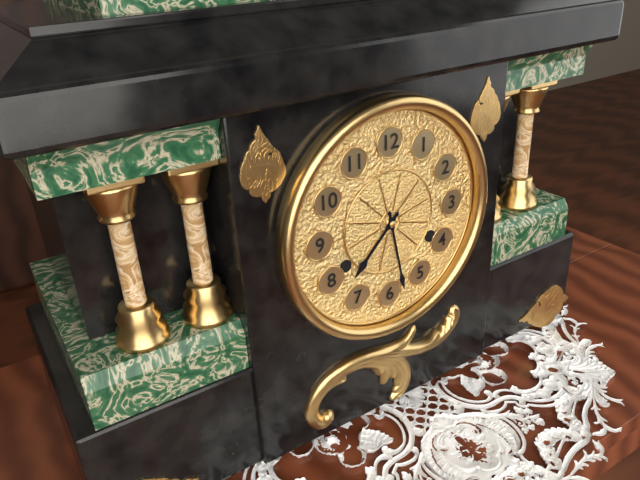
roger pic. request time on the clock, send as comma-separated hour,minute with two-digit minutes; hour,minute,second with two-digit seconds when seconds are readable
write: 7,28
